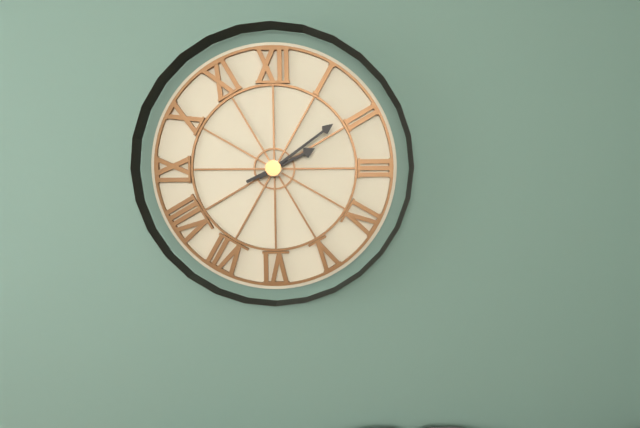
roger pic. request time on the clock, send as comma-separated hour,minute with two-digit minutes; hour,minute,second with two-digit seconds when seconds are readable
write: 2,09
